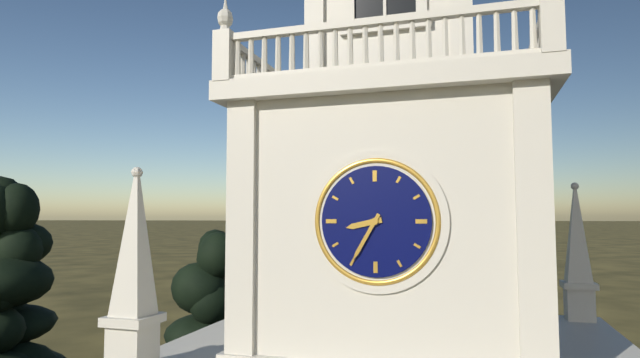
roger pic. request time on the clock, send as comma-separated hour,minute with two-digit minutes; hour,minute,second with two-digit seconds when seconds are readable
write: 8,35
